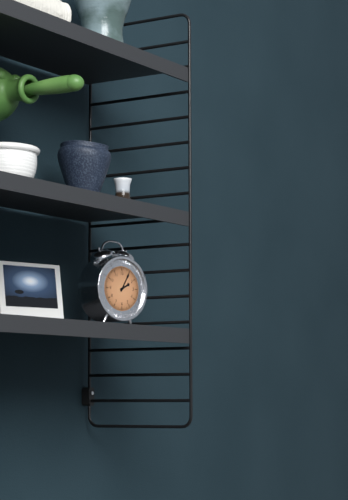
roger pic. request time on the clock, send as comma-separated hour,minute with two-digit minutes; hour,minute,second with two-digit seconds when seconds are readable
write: 2,05
